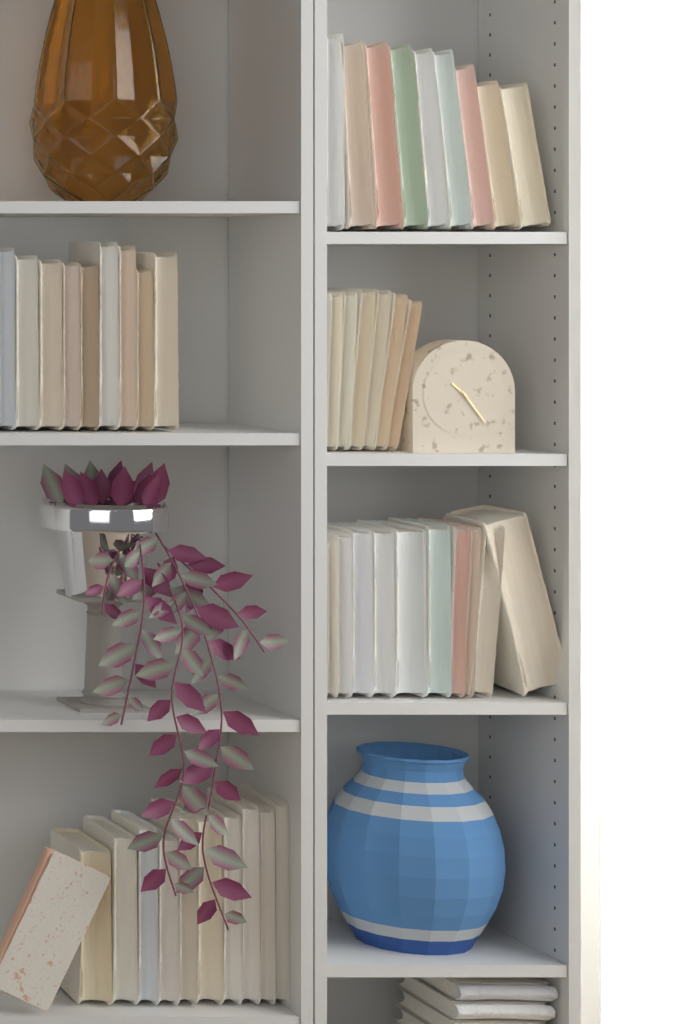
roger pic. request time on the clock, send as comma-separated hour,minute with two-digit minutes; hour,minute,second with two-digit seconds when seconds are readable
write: 10,24
